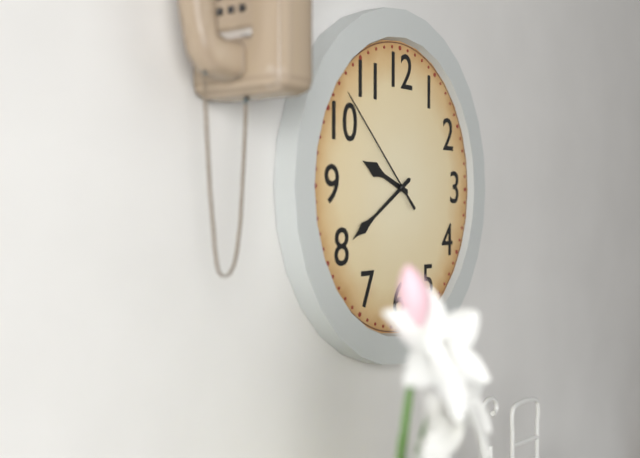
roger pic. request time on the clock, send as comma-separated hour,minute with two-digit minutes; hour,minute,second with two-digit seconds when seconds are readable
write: 9,40,52
